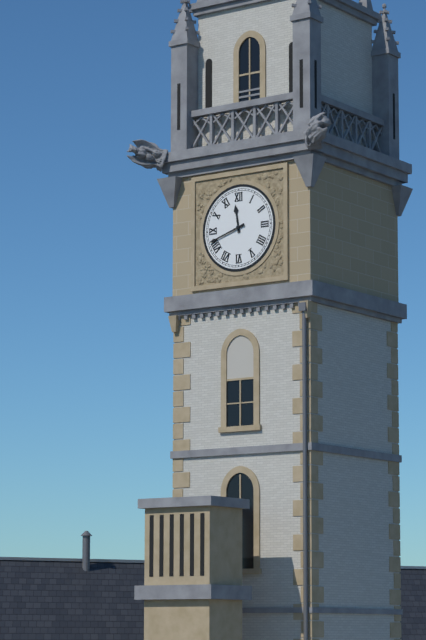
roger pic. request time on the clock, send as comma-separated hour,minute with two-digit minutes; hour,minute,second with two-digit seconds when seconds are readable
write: 11,42
